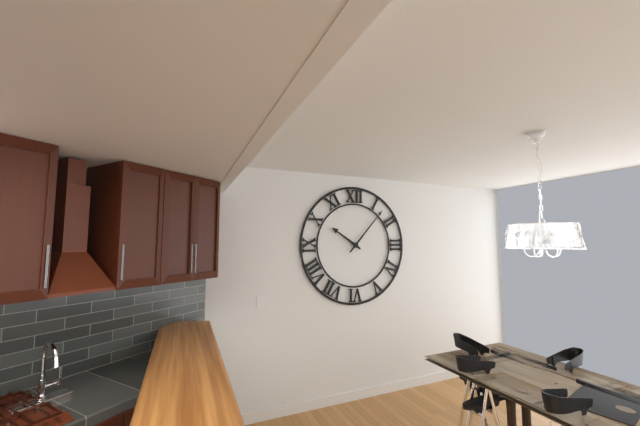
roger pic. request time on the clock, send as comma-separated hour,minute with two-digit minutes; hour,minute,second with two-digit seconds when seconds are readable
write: 10,07
